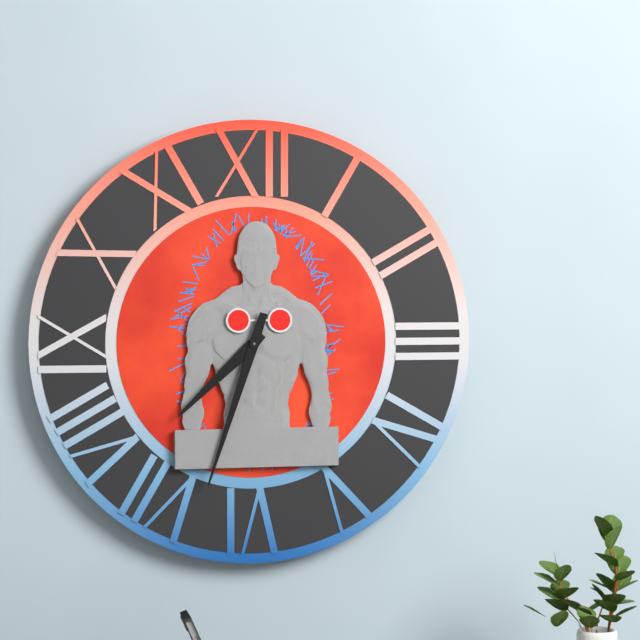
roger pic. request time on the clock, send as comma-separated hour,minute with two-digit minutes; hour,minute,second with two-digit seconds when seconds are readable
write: 7,33
